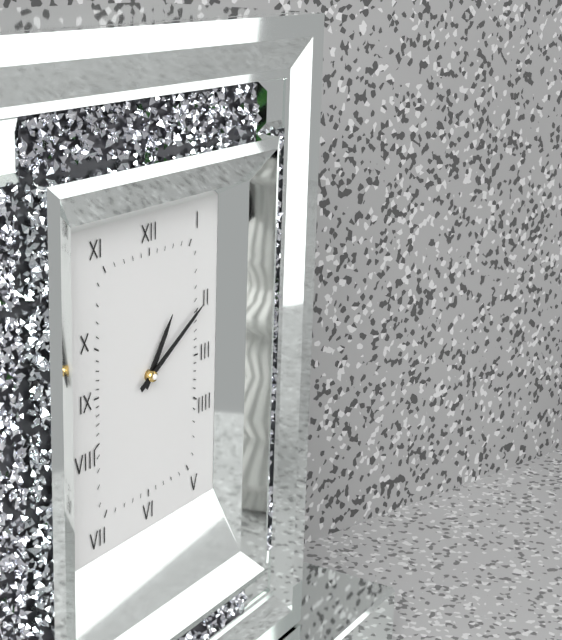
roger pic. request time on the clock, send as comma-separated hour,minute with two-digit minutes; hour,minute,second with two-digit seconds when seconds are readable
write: 1,10
